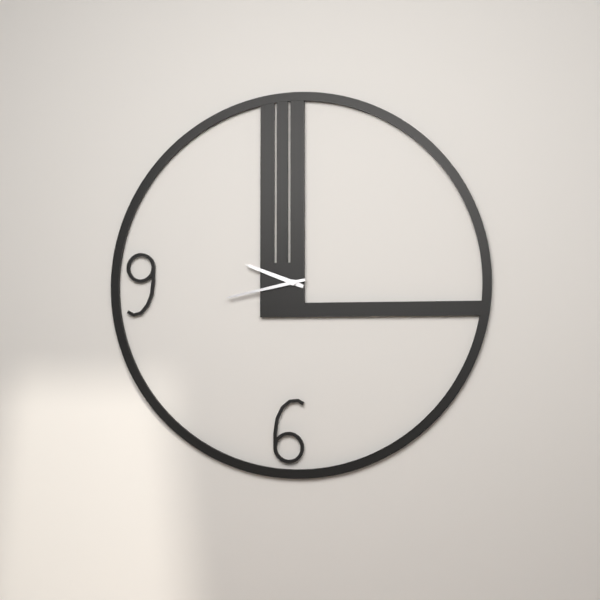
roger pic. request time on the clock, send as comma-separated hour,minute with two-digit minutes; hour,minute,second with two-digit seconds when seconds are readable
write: 9,43
